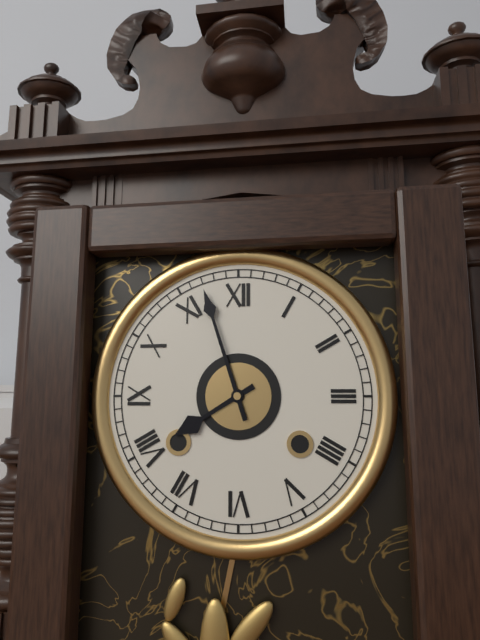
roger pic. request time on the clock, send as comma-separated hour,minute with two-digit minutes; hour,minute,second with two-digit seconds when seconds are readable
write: 7,57
